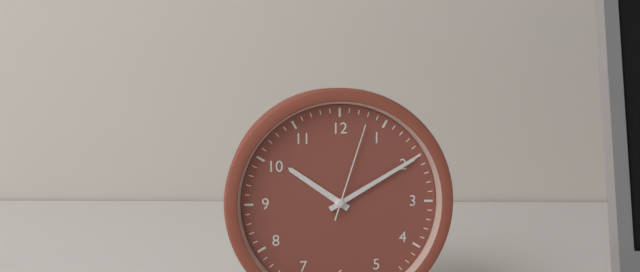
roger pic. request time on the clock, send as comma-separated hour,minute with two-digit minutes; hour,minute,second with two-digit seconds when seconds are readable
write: 10,10,03
